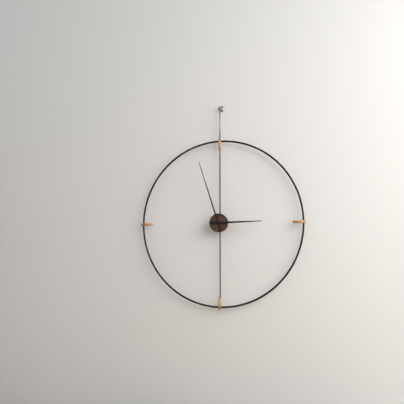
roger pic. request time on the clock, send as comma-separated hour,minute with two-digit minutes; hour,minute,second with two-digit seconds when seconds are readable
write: 2,57
